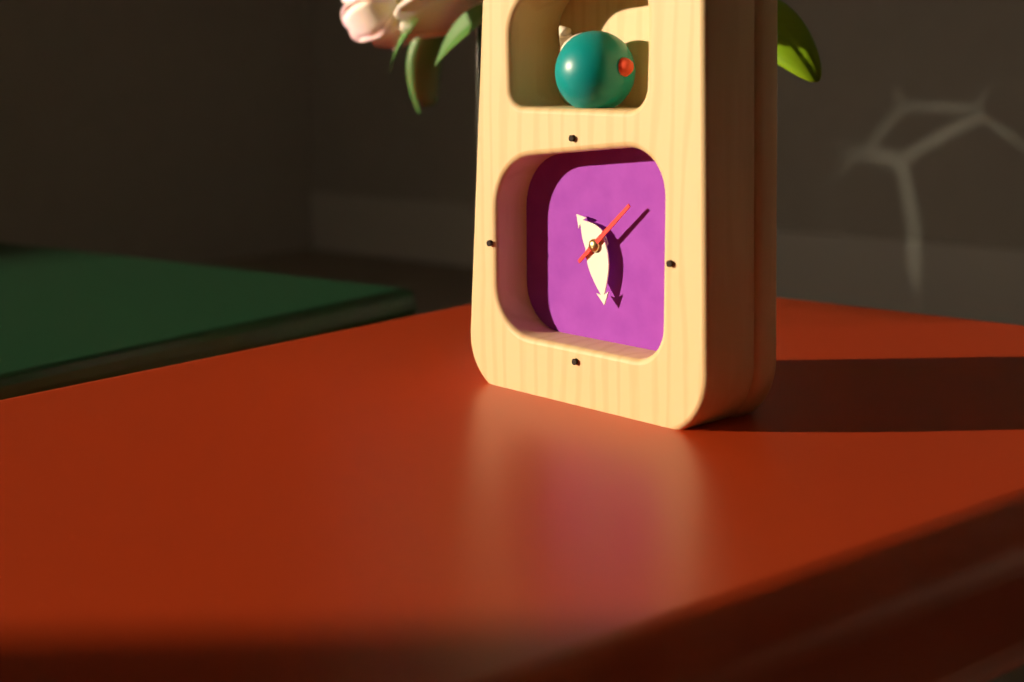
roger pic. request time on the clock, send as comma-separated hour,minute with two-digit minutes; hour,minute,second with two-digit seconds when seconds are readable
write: 10,28,08
